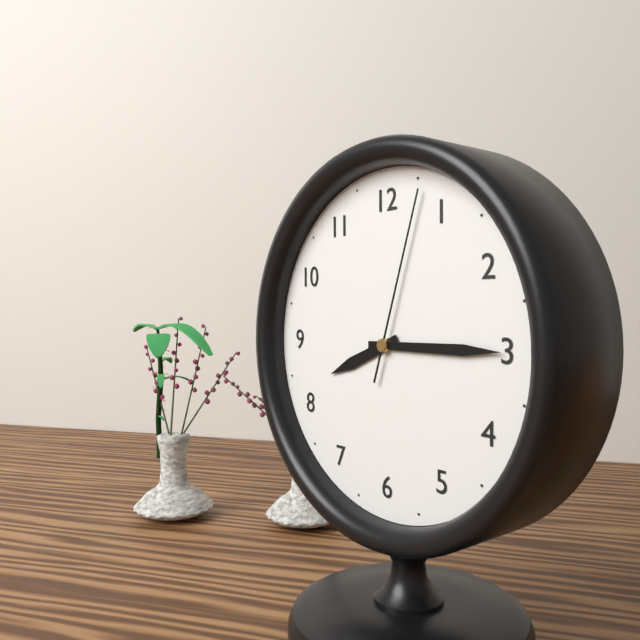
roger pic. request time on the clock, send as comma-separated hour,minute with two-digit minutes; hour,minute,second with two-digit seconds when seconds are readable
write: 8,15,03
